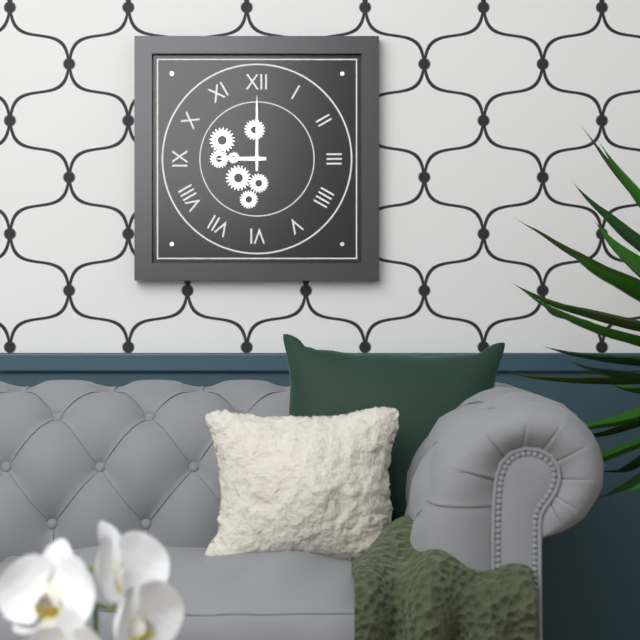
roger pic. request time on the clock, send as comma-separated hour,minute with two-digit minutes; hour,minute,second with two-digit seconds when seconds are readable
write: 9,00
